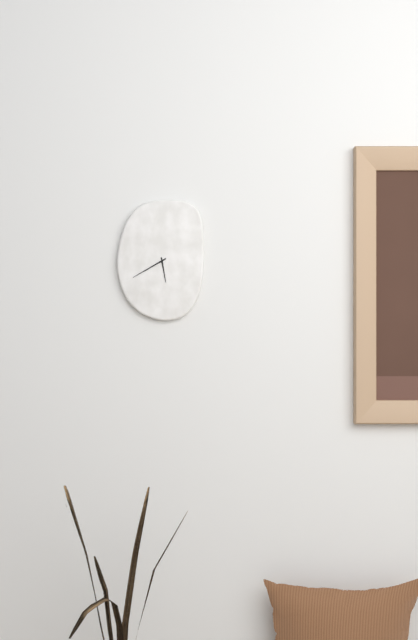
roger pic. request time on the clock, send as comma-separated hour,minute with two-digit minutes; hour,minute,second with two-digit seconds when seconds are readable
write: 5,40
